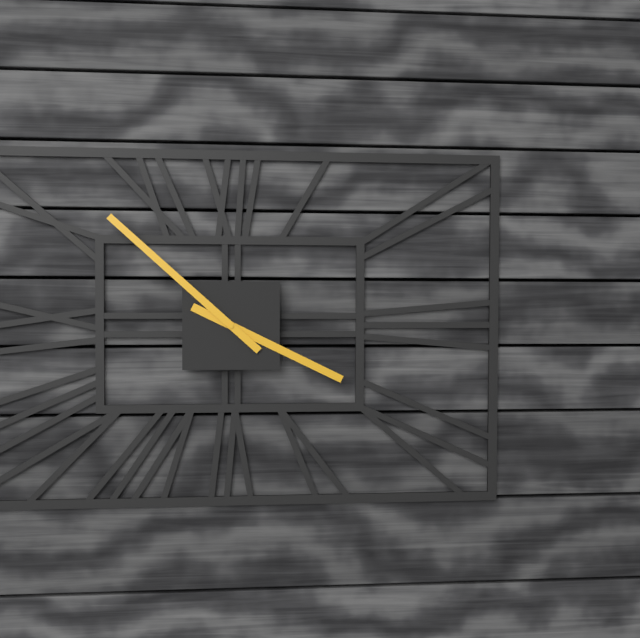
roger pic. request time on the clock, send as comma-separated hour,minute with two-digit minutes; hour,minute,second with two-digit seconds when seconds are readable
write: 3,52
